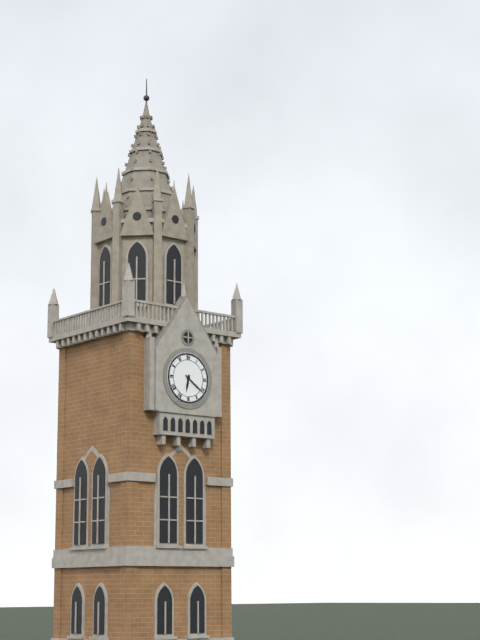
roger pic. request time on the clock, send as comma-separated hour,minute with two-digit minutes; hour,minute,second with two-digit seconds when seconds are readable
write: 6,21
